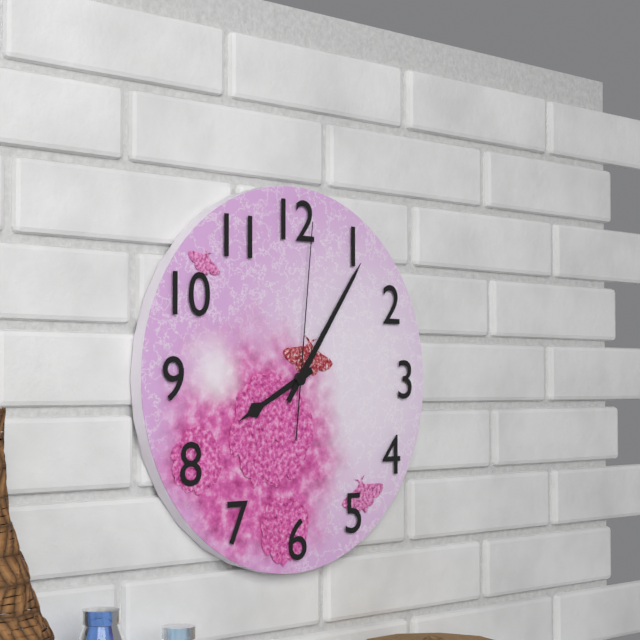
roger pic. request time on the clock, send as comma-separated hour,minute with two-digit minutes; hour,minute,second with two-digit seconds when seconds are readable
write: 8,06,01
